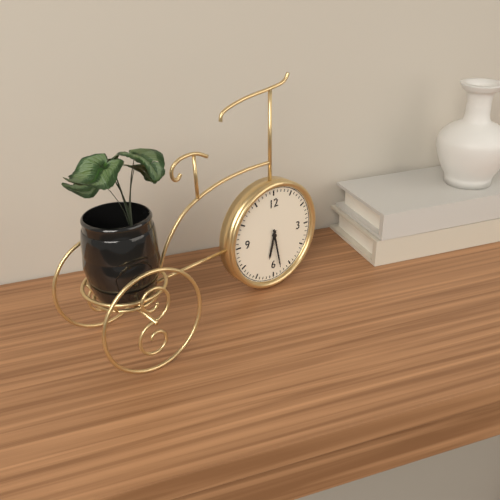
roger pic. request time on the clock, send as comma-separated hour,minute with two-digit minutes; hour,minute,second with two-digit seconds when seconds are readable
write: 6,28
